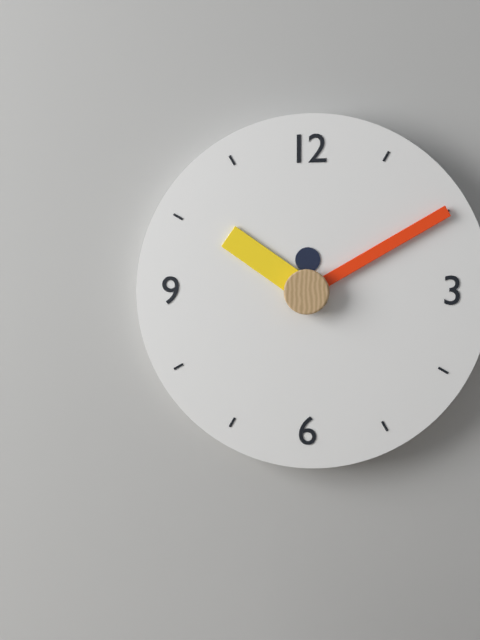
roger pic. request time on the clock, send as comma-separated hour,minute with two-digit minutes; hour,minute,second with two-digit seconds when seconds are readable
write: 10,10
